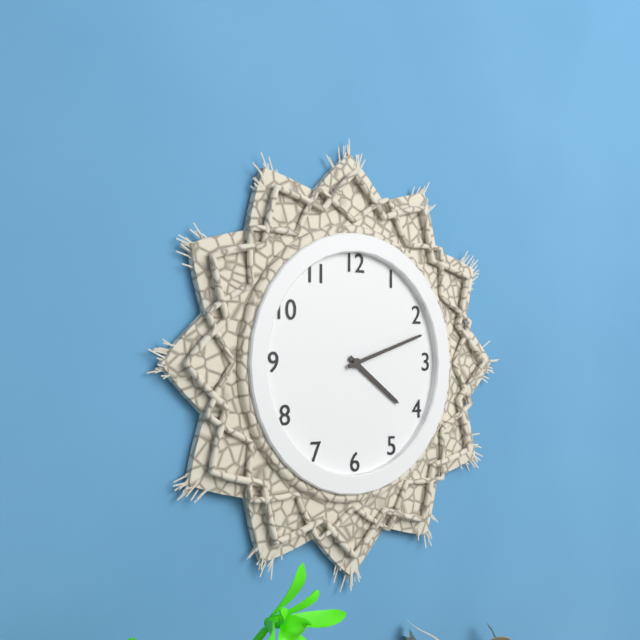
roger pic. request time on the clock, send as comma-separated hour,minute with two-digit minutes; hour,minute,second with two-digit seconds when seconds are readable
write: 4,12
